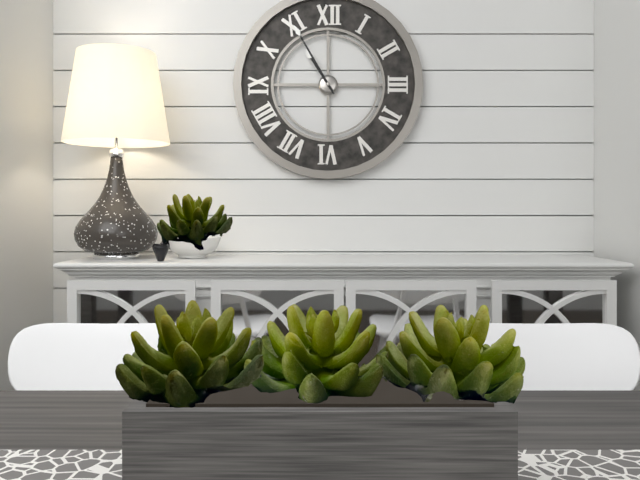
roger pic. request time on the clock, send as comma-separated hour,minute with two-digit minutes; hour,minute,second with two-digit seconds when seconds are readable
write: 10,55
